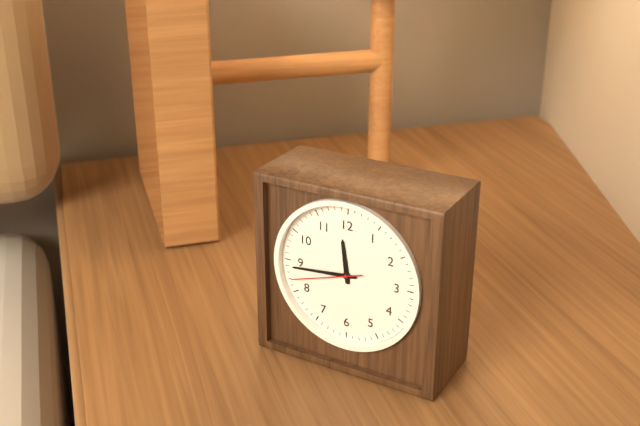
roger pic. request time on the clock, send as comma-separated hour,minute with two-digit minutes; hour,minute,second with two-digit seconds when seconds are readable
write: 11,44,42
